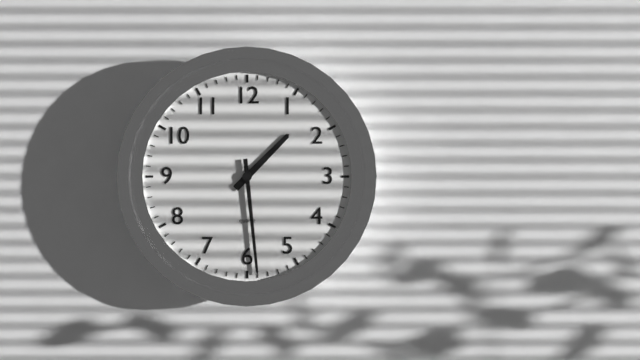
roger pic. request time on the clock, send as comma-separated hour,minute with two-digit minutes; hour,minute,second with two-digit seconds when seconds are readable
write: 1,29
